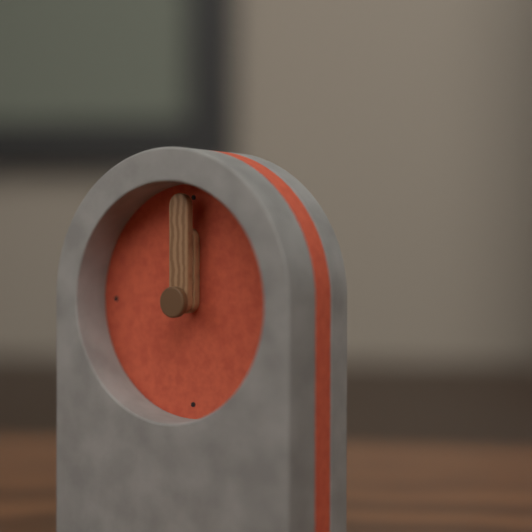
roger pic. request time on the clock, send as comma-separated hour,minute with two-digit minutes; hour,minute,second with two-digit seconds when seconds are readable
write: 12,00
